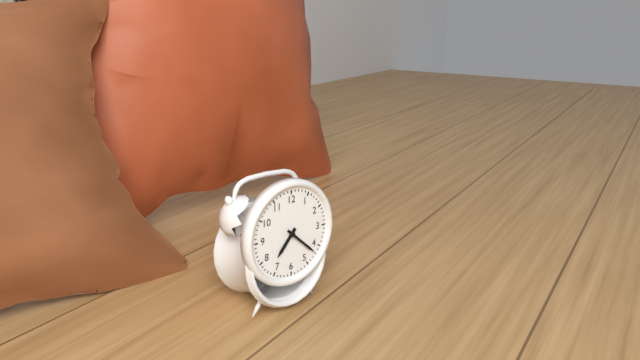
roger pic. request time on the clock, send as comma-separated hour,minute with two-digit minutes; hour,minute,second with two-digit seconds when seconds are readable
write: 7,22
